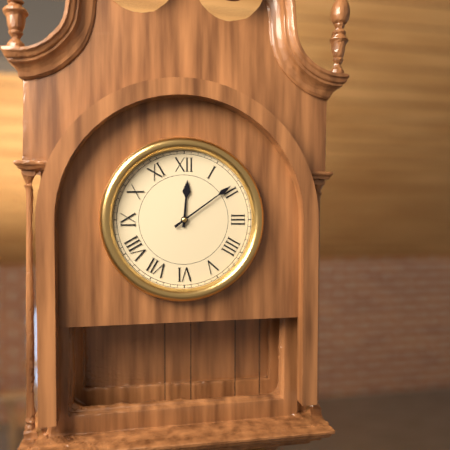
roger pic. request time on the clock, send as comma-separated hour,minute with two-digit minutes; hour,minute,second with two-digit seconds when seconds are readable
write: 12,09
